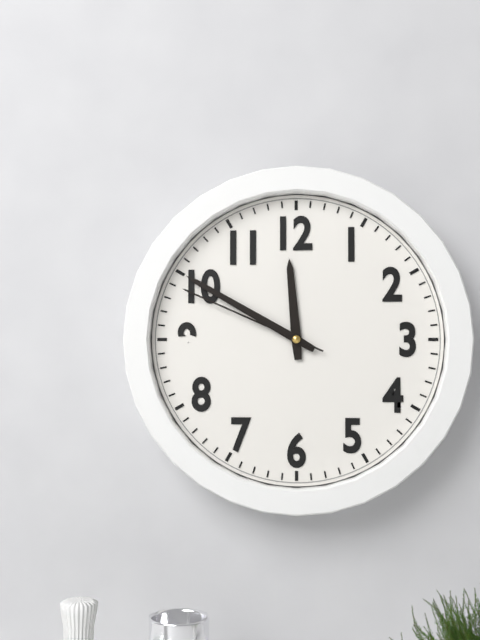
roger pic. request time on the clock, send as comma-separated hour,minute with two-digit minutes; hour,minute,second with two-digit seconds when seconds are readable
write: 11,50,49
